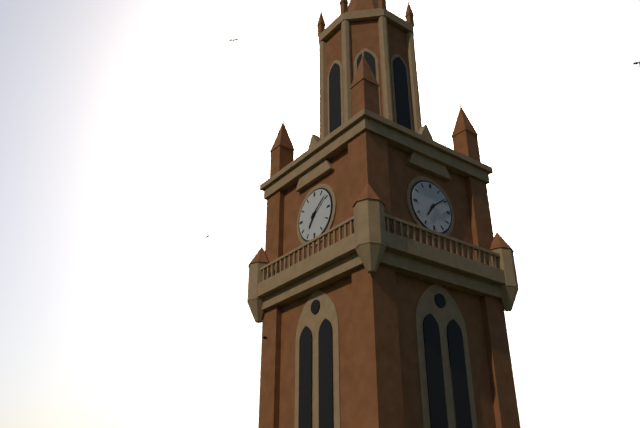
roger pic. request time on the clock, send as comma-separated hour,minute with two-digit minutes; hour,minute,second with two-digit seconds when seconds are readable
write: 7,09
